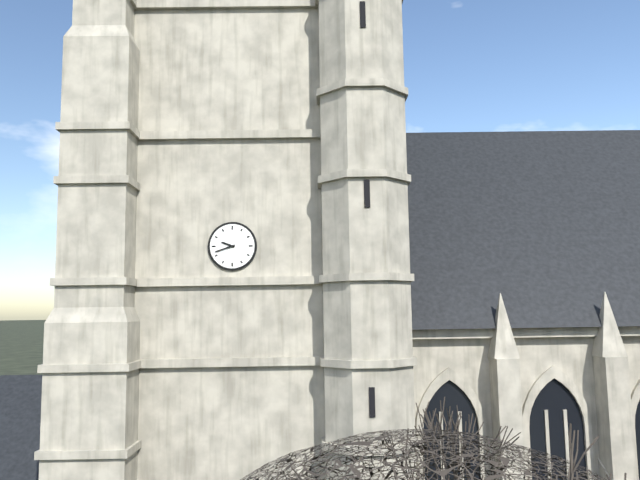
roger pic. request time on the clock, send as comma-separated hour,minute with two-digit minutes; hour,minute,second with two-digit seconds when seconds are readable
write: 9,42
